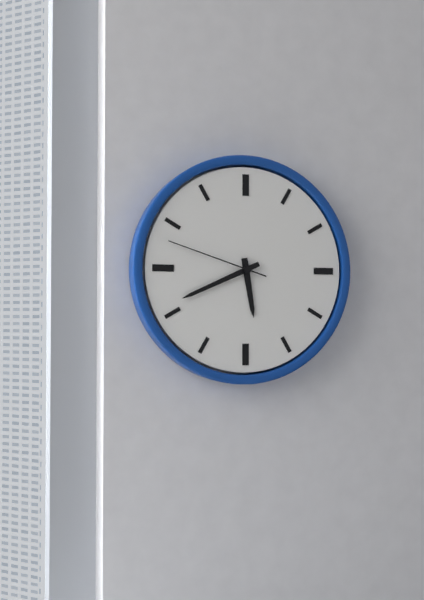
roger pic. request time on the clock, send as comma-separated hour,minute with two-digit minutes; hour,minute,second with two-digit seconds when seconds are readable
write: 5,41,48
